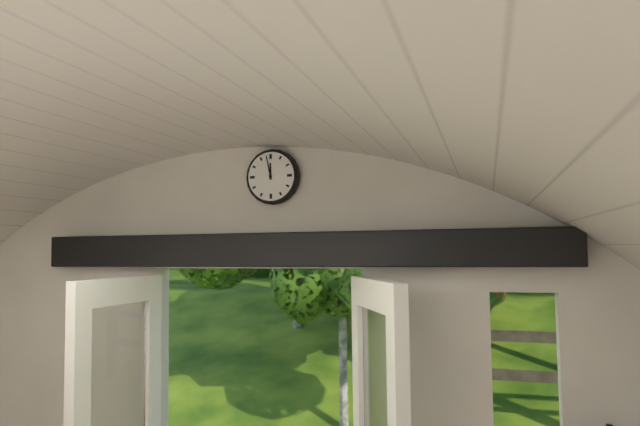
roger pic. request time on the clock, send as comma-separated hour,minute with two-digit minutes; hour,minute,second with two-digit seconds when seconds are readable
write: 11,58
